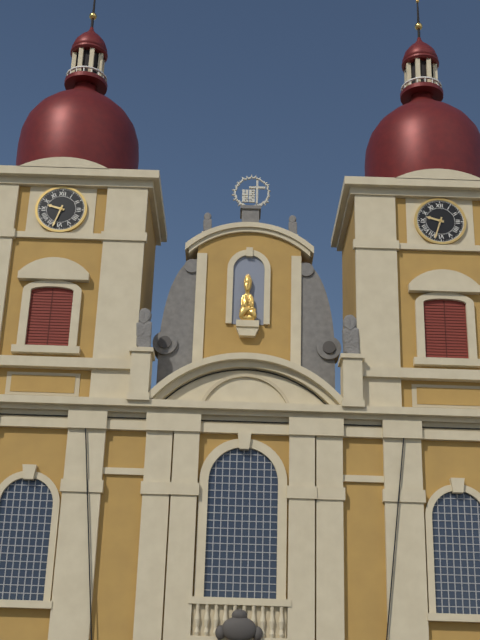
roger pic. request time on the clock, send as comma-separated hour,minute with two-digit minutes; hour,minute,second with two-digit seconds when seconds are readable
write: 9,33
